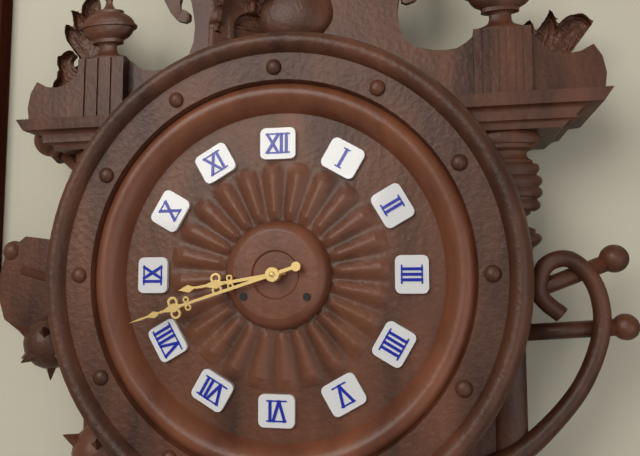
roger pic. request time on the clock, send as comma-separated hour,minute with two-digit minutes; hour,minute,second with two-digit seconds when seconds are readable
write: 8,42
